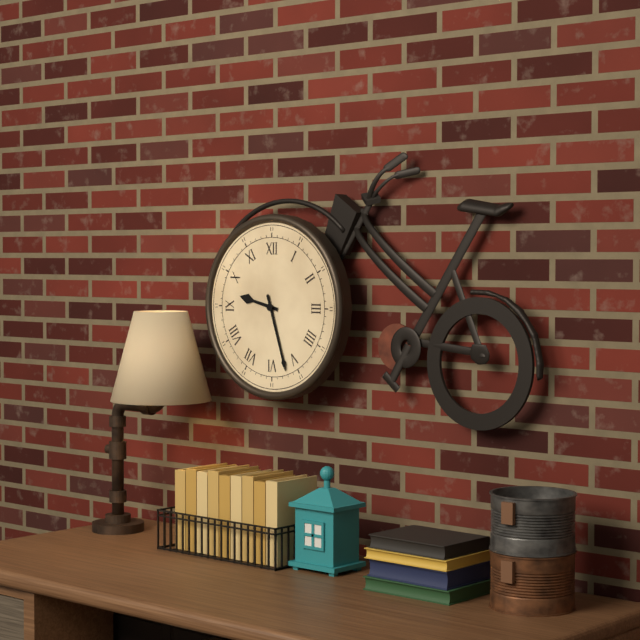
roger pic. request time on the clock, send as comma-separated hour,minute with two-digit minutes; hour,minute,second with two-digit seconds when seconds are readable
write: 9,27
